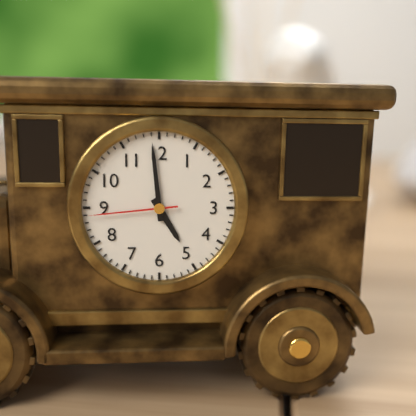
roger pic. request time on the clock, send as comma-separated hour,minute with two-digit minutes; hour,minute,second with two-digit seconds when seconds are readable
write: 4,59,44
